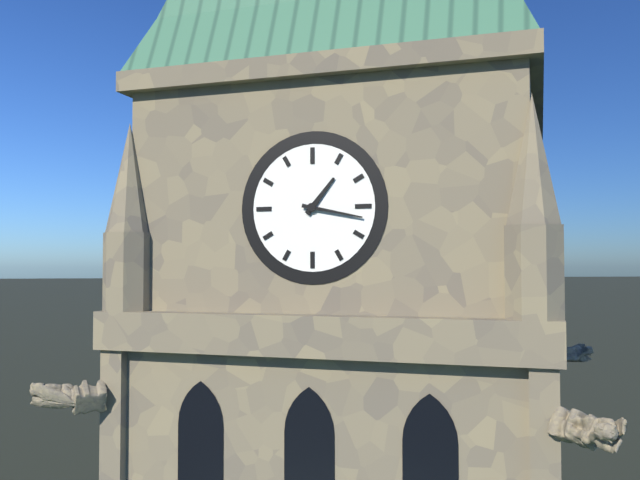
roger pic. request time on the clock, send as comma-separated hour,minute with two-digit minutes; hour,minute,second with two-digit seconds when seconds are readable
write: 1,17
